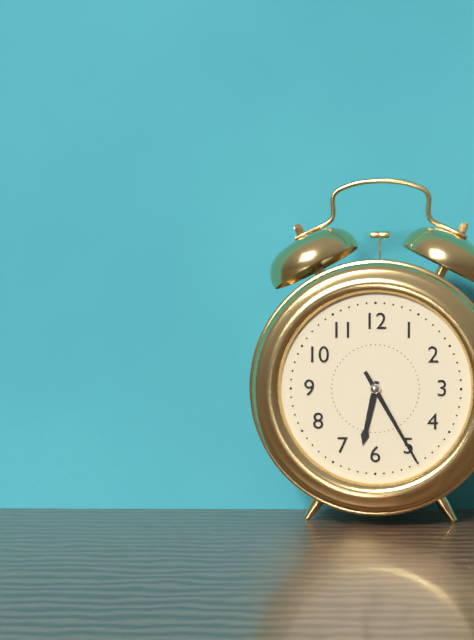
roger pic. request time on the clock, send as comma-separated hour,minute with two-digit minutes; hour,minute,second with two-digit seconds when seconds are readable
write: 6,25
